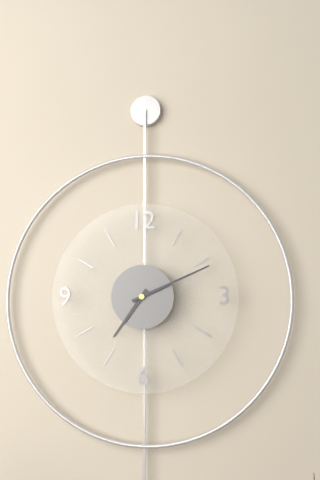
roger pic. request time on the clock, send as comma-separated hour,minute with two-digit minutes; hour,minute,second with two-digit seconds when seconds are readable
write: 7,11
